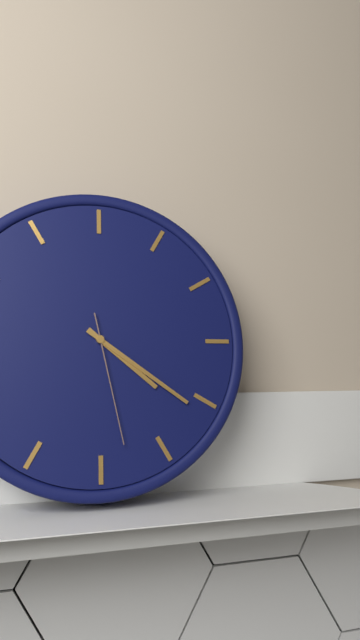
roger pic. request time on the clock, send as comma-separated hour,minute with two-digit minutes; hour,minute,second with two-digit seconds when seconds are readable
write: 4,21,28
